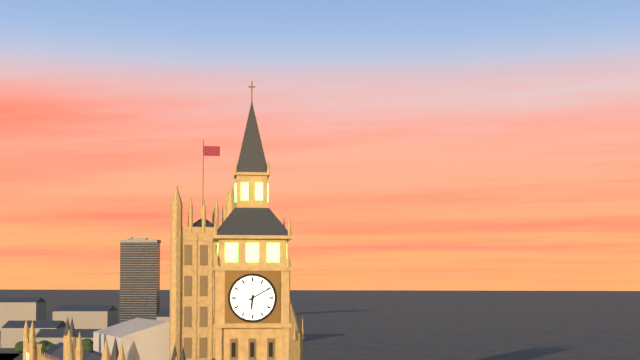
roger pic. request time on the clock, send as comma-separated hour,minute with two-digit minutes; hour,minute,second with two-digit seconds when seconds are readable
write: 6,10
